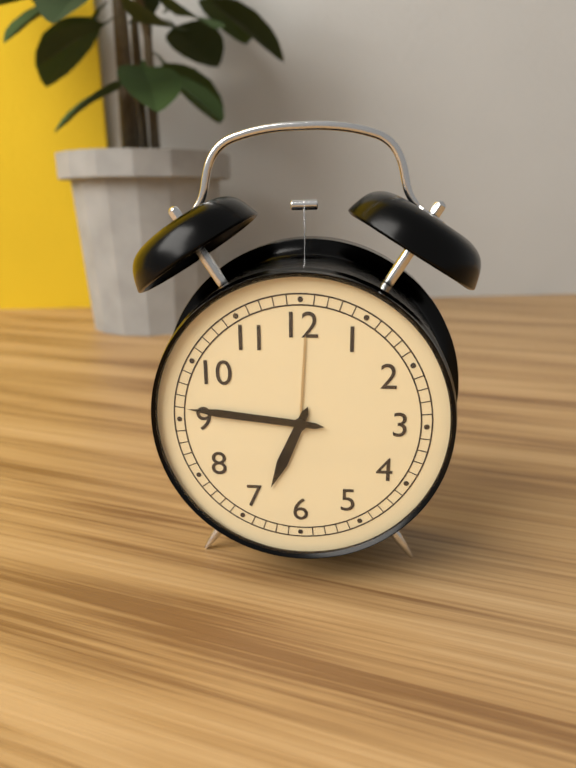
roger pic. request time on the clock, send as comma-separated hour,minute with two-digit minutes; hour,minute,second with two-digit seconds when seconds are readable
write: 6,46
